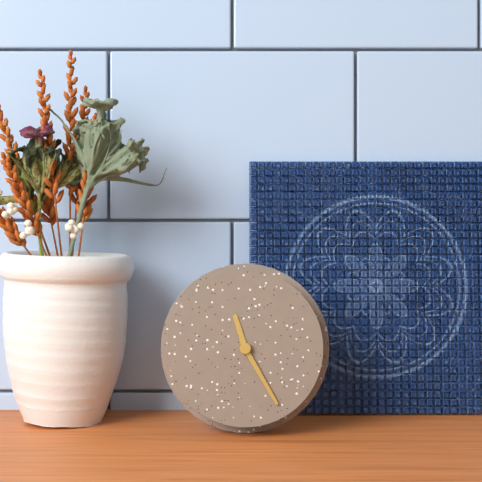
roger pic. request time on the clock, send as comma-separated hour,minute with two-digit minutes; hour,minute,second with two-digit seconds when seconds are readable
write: 11,25
